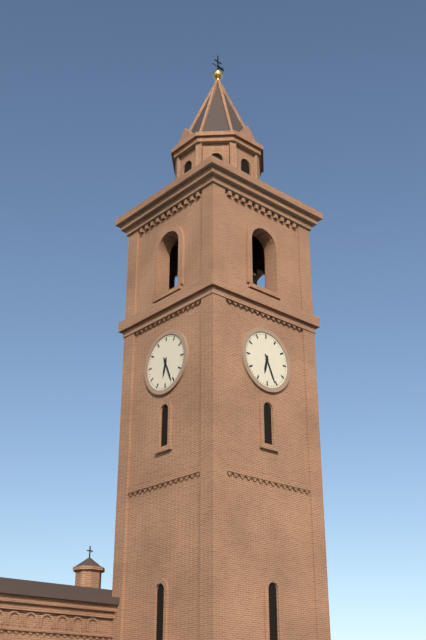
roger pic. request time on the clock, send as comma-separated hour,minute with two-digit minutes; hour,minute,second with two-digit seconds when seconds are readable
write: 6,26
